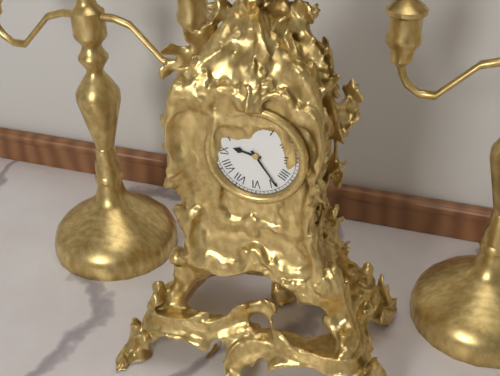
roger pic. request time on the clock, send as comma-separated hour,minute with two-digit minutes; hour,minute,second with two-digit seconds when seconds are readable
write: 9,24
